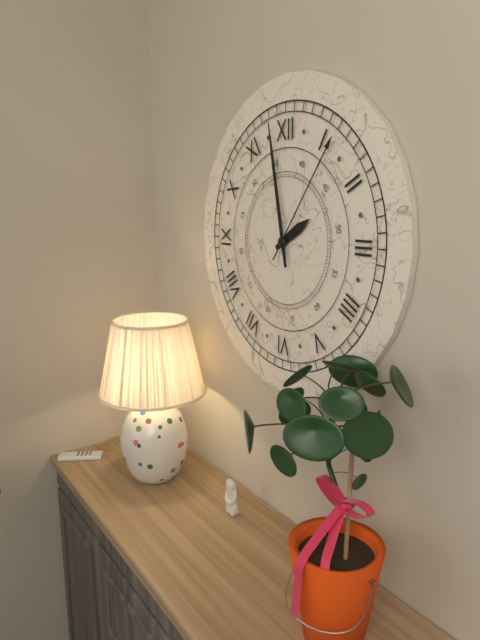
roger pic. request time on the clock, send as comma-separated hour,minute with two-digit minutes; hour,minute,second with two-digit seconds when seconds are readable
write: 1,58,06
